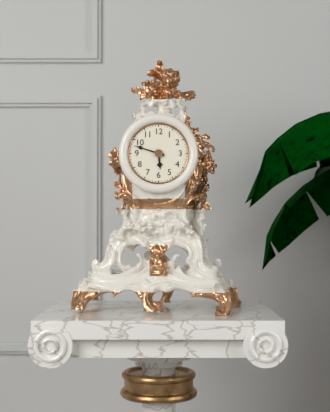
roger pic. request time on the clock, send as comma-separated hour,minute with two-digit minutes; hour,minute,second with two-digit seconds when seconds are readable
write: 5,48
